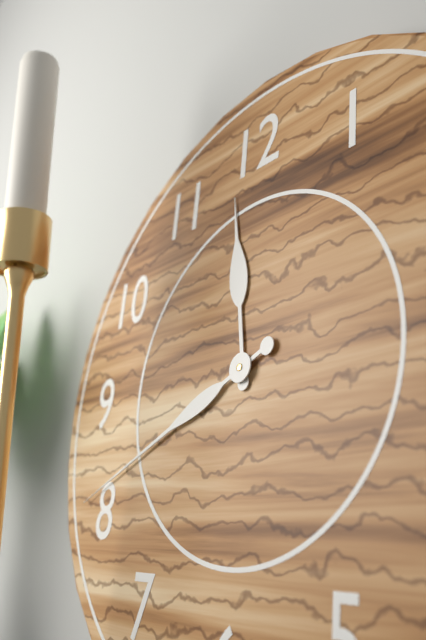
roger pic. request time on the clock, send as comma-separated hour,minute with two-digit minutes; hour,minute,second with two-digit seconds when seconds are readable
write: 11,41
